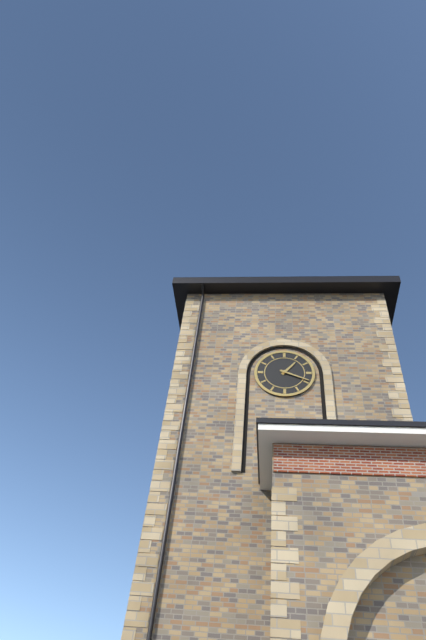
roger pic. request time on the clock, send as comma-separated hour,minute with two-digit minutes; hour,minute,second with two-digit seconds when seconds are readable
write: 1,19
